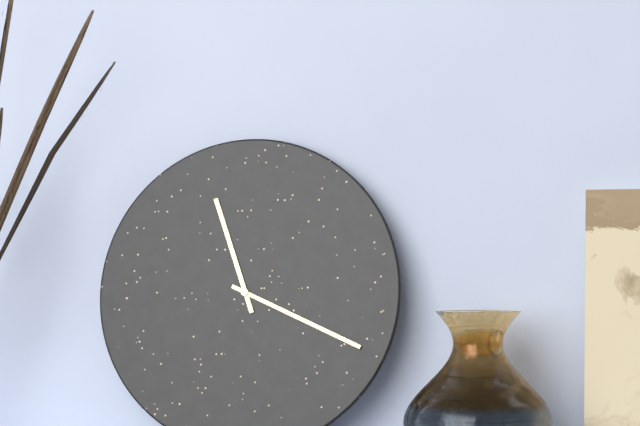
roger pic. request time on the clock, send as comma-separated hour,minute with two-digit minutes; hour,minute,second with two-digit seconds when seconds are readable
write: 11,19
